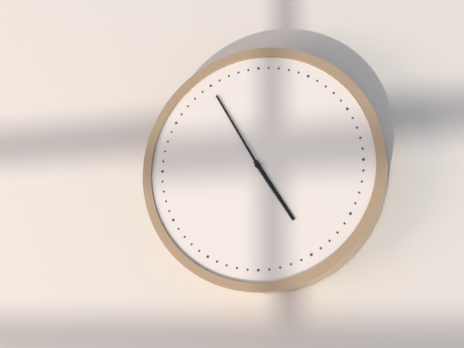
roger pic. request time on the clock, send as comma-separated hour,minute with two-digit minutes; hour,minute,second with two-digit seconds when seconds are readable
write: 4,55
